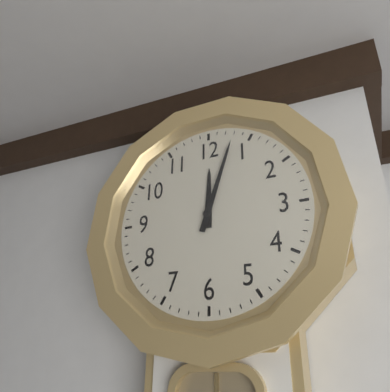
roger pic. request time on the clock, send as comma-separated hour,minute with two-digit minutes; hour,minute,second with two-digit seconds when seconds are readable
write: 12,03
